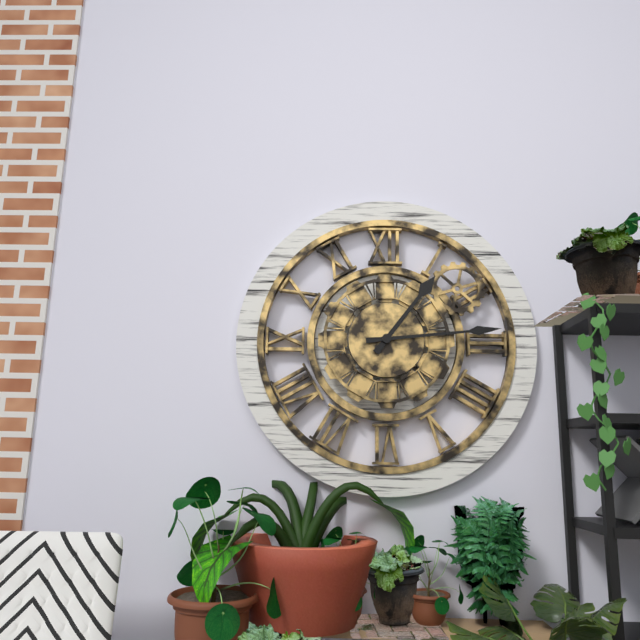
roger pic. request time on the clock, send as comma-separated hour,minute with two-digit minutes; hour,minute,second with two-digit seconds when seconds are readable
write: 1,14
